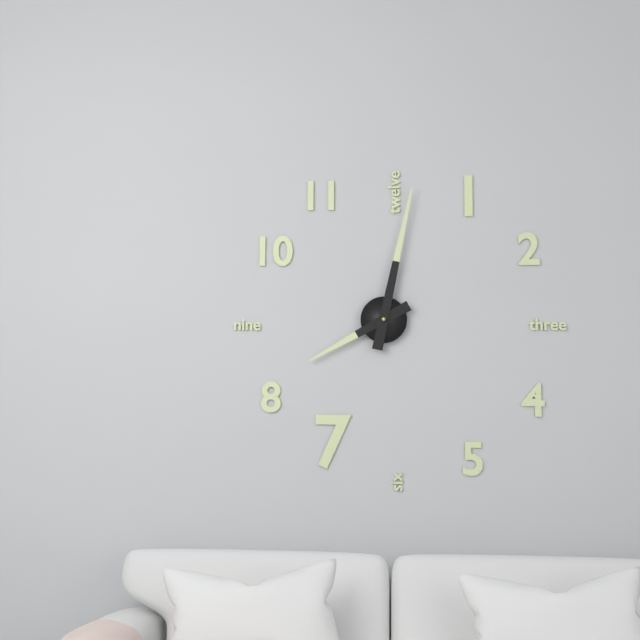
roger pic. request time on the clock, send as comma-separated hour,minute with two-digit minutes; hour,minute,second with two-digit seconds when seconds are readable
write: 8,02
